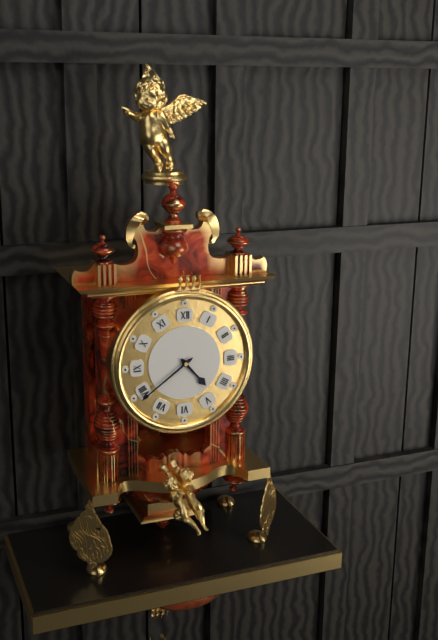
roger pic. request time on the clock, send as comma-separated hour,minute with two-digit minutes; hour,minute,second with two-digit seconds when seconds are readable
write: 4,39
